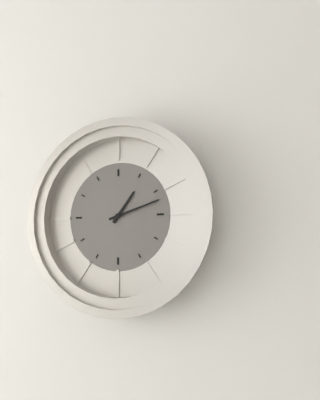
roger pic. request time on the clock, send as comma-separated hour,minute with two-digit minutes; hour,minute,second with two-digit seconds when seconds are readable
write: 1,12
